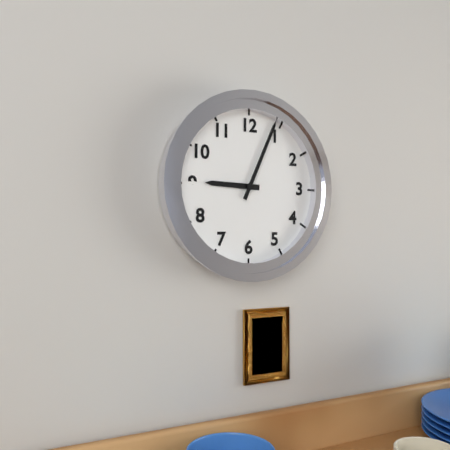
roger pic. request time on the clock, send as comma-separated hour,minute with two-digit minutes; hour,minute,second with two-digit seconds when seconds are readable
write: 9,04
